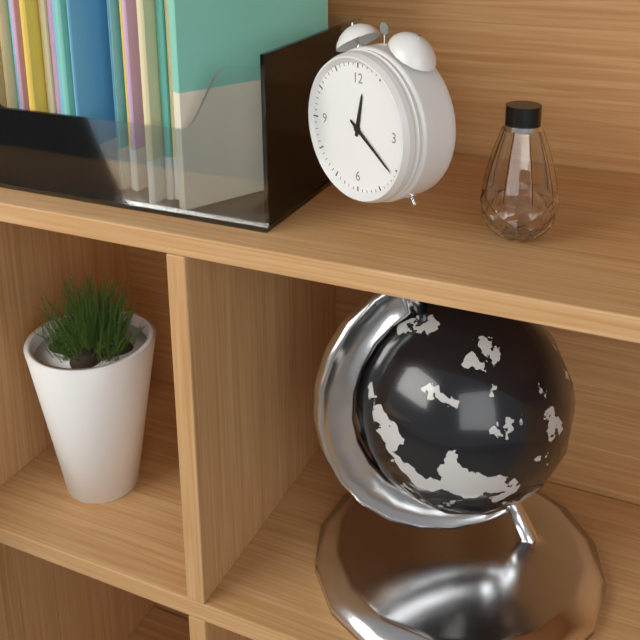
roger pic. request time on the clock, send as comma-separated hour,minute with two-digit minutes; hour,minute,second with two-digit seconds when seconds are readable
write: 12,21
